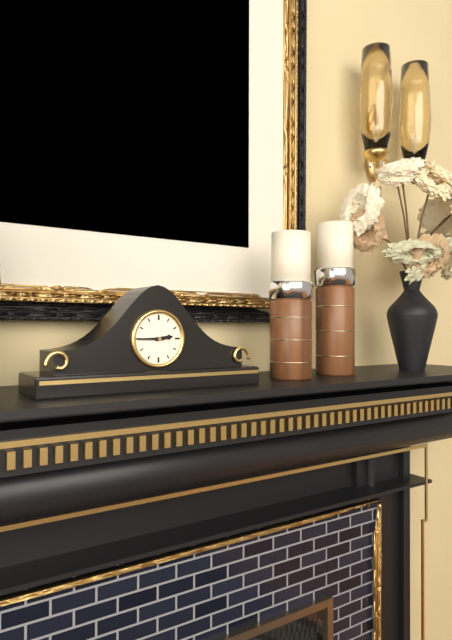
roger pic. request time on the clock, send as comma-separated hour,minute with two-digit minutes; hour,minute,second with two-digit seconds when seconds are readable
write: 2,45
